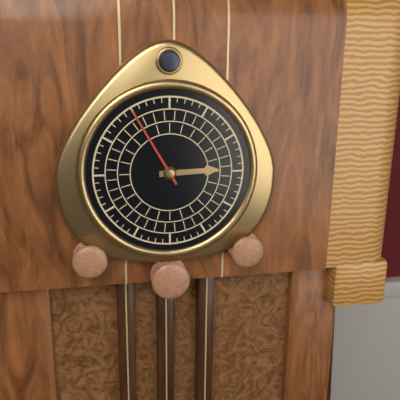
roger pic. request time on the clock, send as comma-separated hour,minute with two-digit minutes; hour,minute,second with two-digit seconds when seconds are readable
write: 2,55
